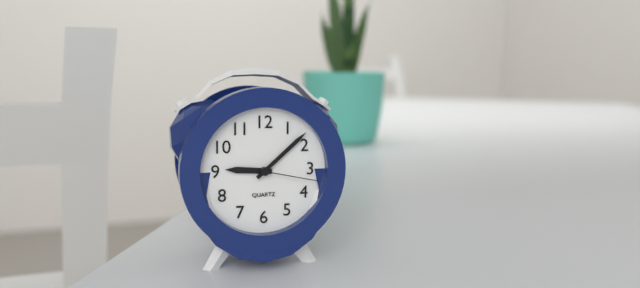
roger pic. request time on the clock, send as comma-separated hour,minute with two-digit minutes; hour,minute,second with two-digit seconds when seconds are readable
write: 9,08,17
